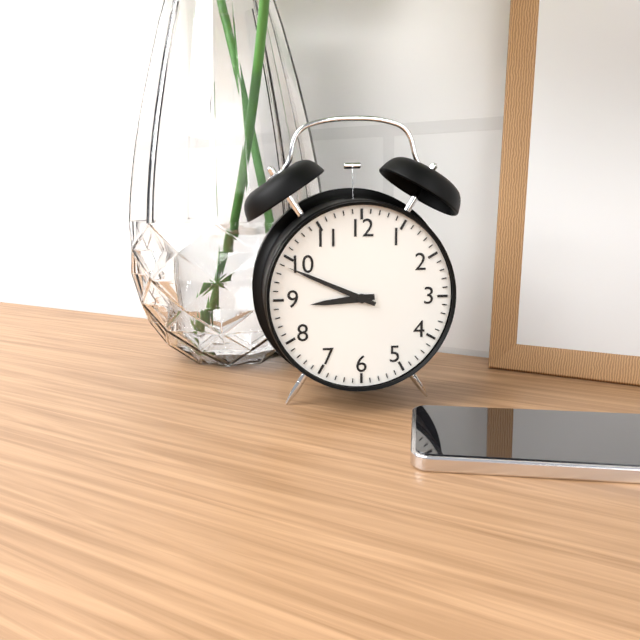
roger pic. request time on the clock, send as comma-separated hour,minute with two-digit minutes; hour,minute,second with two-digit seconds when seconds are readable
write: 8,49
